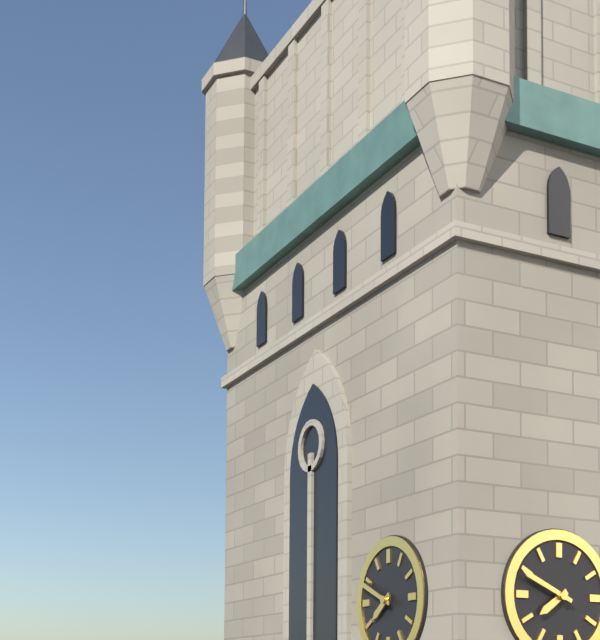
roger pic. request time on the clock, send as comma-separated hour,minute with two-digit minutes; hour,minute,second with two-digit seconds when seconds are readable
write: 7,49
